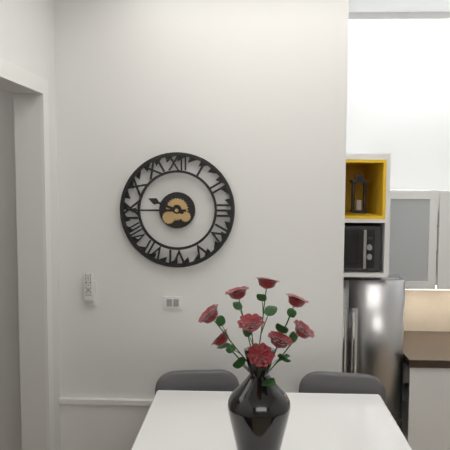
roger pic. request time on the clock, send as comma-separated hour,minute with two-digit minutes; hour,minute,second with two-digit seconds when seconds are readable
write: 9,45
